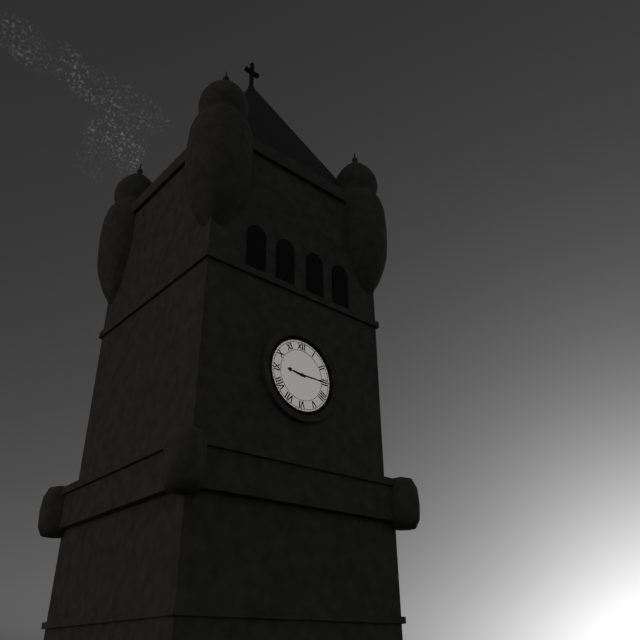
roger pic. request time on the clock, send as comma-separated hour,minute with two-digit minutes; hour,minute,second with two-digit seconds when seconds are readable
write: 9,15
